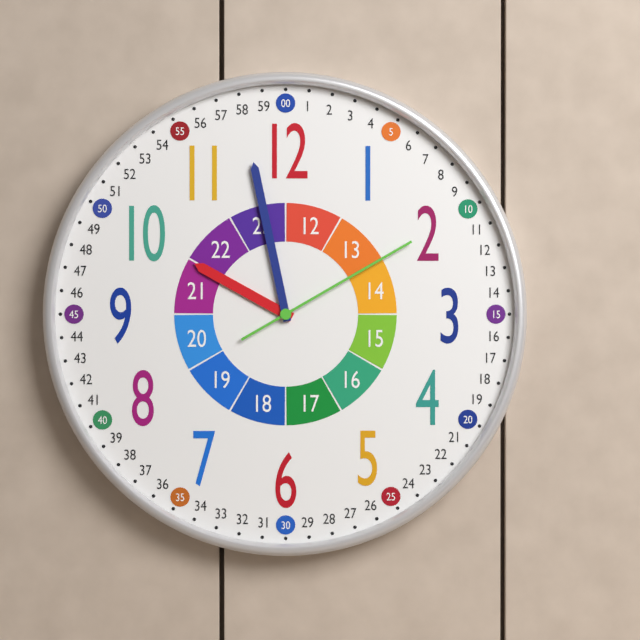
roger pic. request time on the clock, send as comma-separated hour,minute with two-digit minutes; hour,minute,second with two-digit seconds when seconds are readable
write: 9,58,10
